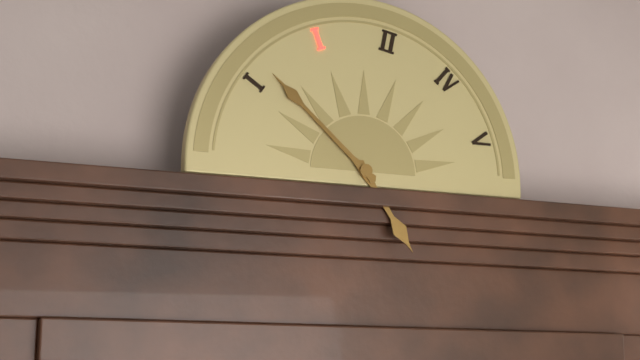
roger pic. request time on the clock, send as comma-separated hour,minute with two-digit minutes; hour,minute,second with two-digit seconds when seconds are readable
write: 4,52
